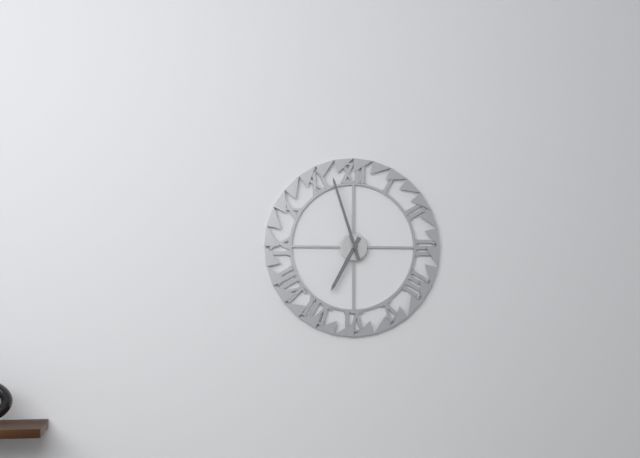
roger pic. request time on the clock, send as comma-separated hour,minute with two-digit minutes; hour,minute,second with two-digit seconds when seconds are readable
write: 6,57
